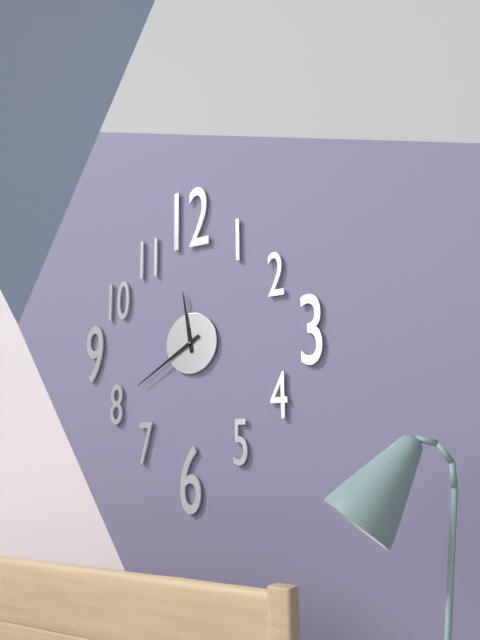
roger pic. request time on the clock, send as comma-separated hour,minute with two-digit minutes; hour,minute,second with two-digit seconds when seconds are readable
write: 11,40
